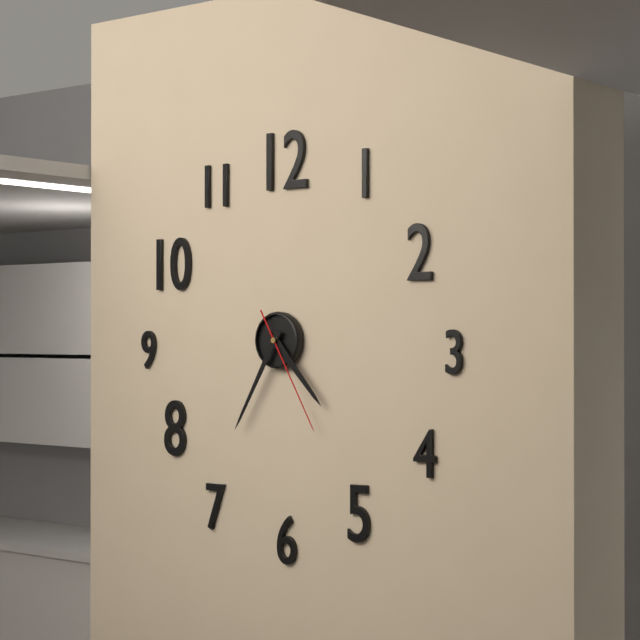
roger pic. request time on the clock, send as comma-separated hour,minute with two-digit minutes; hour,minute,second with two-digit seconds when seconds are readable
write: 4,35,25
